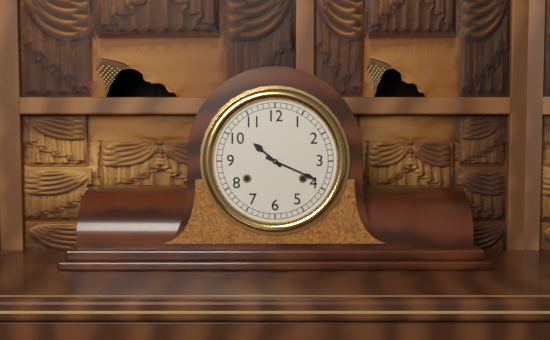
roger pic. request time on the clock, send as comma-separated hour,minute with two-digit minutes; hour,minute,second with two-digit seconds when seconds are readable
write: 10,19
